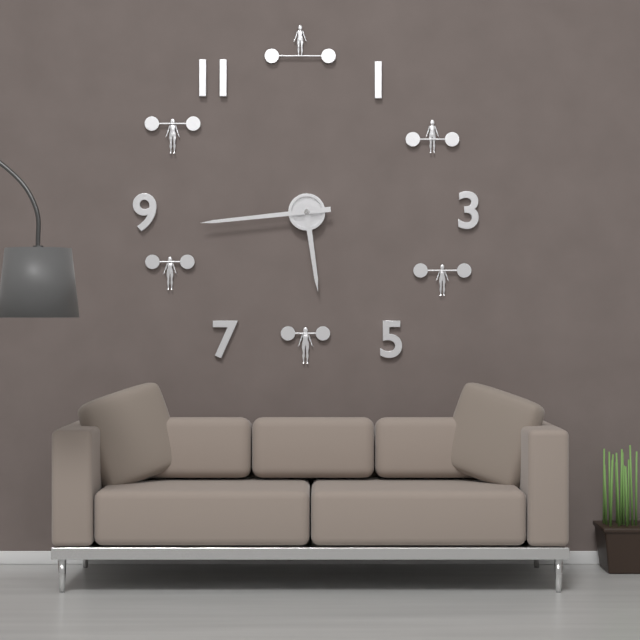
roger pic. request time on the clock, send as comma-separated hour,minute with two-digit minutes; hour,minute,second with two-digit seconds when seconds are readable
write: 5,44
